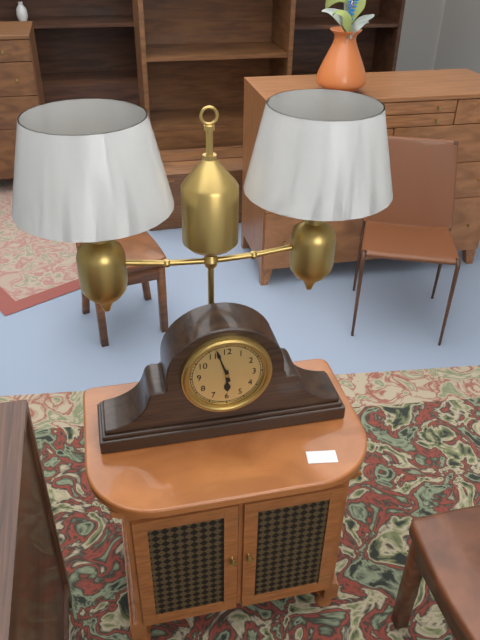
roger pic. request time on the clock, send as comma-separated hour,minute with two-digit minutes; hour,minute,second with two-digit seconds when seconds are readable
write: 5,57
